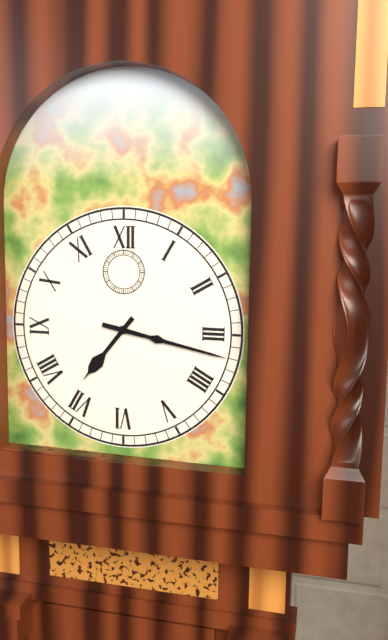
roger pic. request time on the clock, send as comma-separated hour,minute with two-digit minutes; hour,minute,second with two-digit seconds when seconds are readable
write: 7,17
